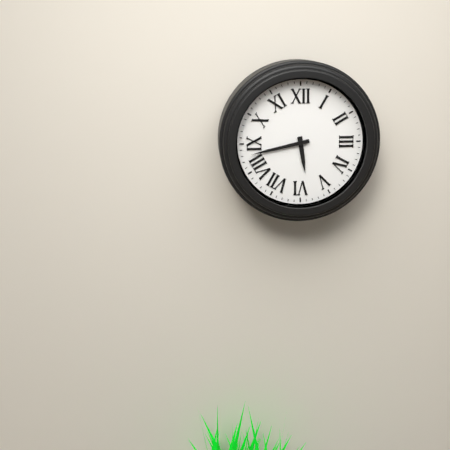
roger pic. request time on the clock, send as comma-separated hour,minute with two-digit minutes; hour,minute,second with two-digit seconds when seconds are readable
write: 5,43
